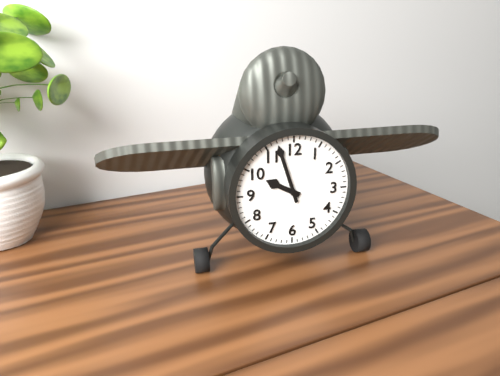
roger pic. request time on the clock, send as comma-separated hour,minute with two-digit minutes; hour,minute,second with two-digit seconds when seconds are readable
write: 9,57
